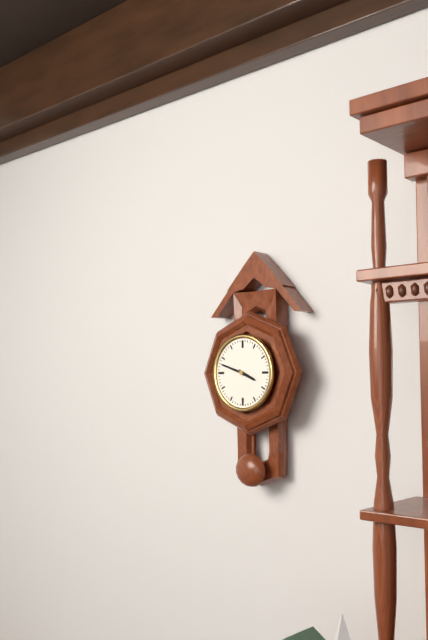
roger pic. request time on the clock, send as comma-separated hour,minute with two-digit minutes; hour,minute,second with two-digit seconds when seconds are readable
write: 3,48
